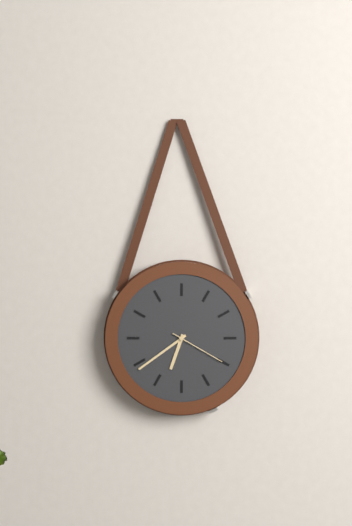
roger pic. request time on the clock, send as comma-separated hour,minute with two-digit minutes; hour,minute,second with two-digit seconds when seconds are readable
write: 6,39,20
